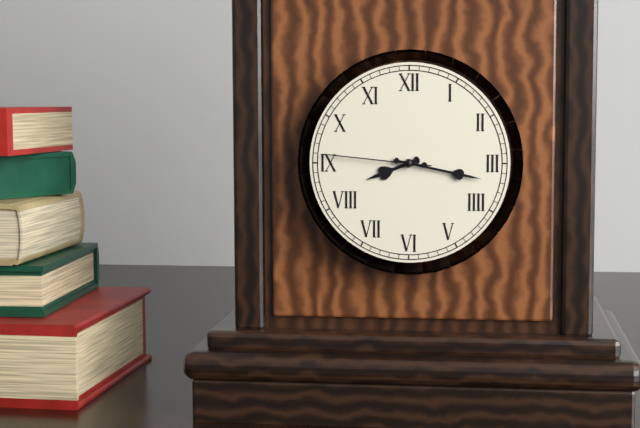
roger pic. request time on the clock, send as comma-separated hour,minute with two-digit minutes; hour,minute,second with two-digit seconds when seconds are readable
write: 8,17,46
